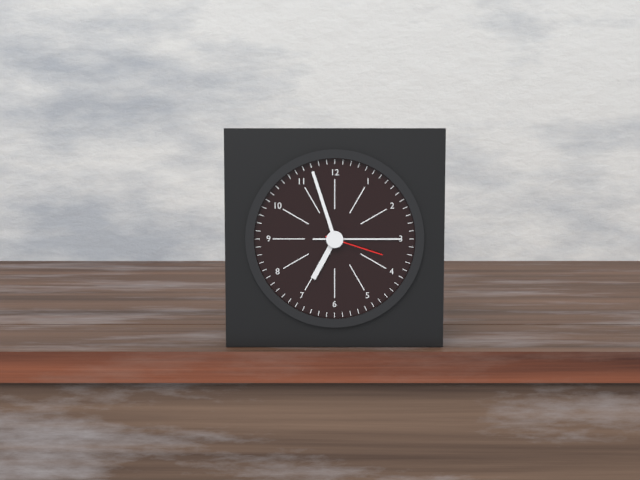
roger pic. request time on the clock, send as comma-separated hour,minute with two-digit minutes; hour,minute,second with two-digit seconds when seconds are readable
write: 6,57,18
